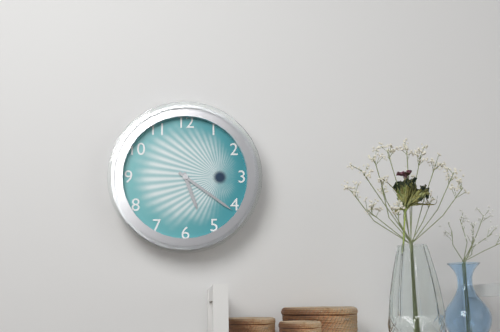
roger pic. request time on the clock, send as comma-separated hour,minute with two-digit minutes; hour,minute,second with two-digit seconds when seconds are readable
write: 5,21
